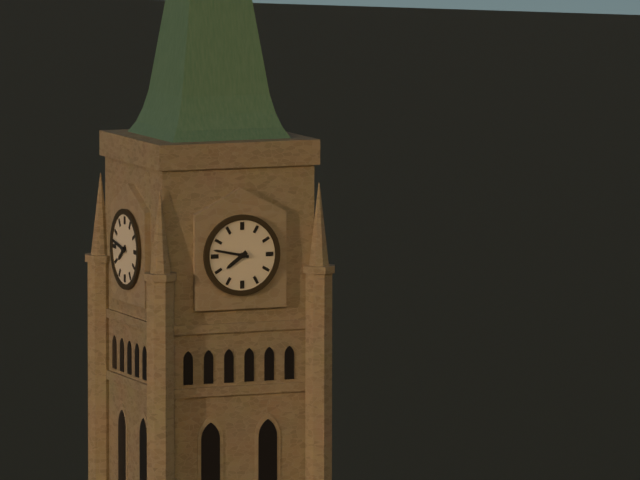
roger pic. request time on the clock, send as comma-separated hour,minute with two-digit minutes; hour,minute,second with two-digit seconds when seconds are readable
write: 7,47
